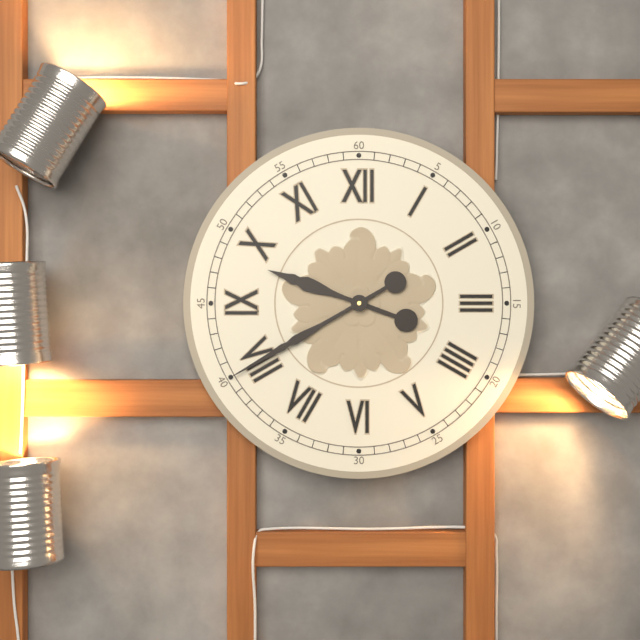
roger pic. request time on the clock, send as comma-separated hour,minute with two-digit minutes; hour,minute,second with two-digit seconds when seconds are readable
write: 9,40
